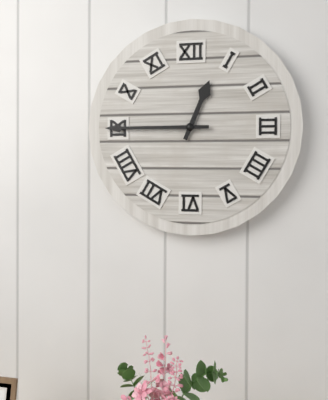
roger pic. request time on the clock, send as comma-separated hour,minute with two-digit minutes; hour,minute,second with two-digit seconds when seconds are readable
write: 12,45
